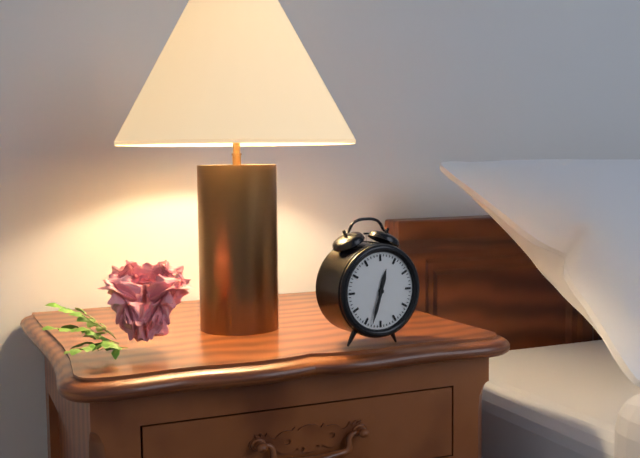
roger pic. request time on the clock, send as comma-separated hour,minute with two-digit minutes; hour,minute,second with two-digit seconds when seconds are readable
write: 12,33
